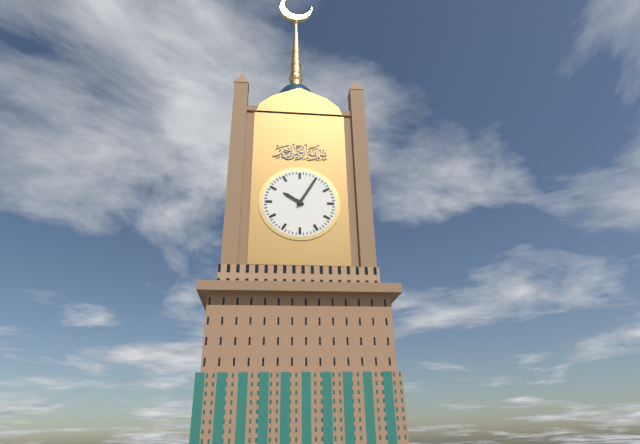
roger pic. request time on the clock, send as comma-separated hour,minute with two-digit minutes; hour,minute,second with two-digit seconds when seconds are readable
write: 10,05
